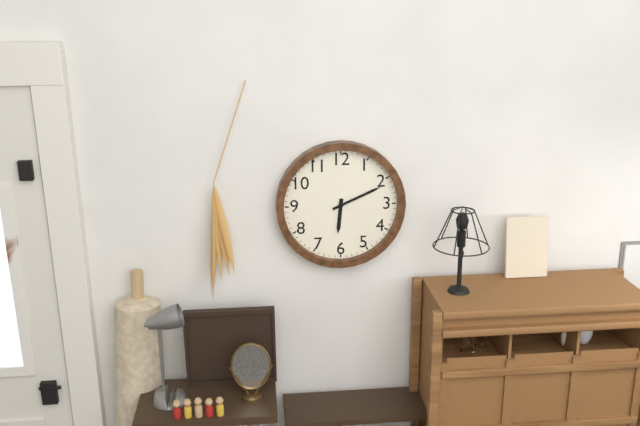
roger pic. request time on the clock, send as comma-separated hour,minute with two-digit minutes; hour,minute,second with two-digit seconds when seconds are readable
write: 6,11
